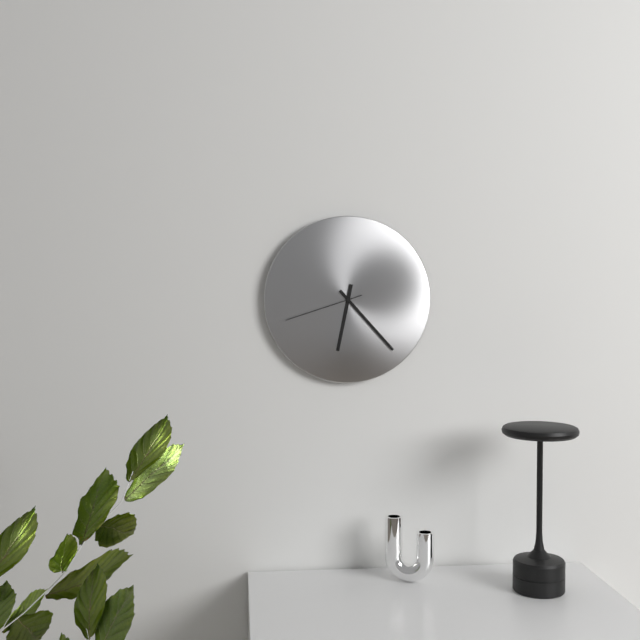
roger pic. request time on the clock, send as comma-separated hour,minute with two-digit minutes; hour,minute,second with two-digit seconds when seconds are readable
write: 6,23,42
